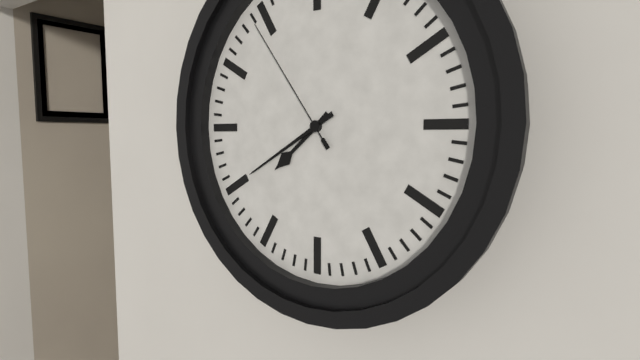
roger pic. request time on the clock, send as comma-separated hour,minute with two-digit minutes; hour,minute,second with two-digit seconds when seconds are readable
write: 7,40,54
